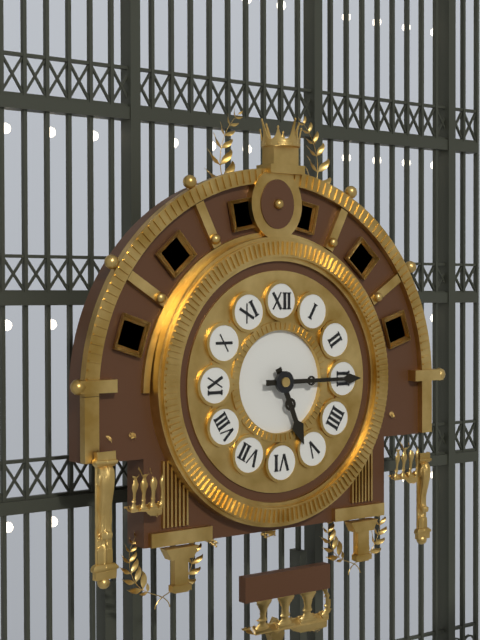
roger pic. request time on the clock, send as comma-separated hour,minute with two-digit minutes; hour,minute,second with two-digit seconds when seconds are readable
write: 5,15
